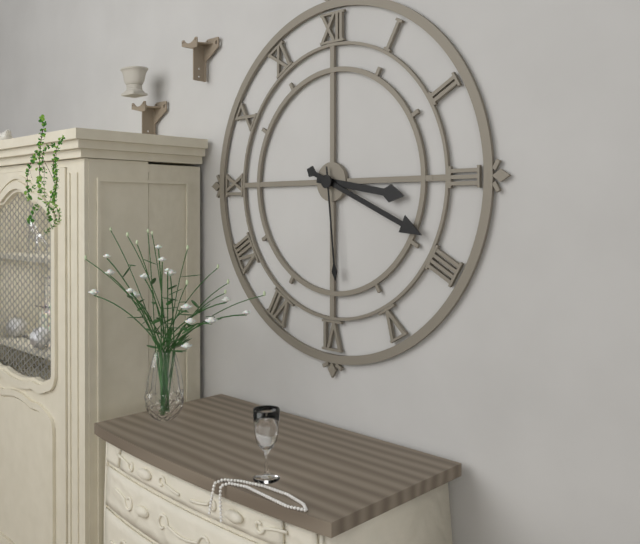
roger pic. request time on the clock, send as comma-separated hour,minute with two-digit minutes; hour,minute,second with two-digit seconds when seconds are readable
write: 3,19,29
